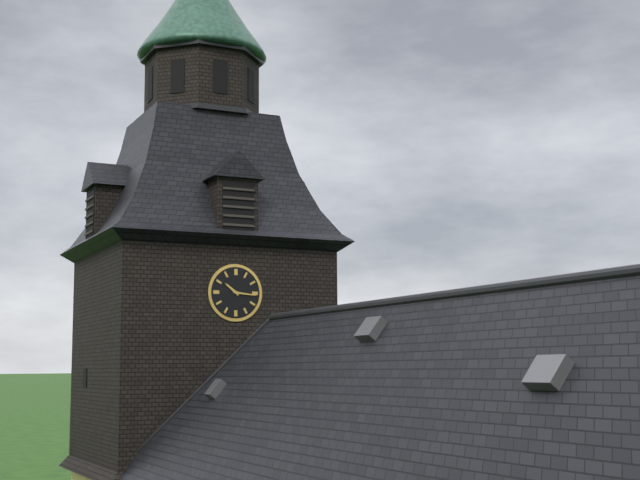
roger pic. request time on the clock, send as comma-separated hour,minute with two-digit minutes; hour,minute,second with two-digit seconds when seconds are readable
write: 10,16
